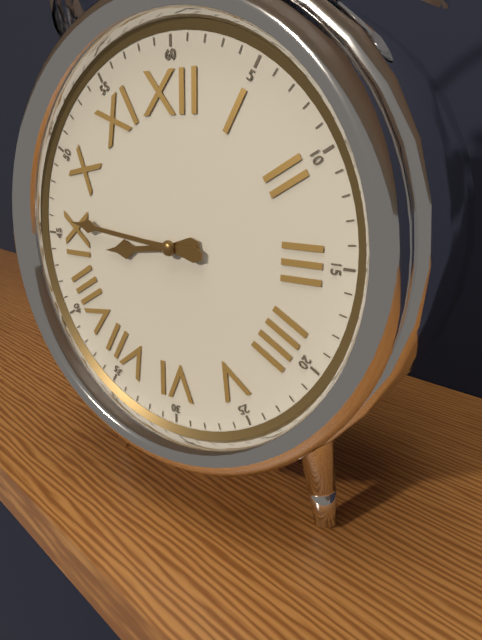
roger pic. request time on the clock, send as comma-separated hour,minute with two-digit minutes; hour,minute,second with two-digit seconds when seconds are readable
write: 8,46
